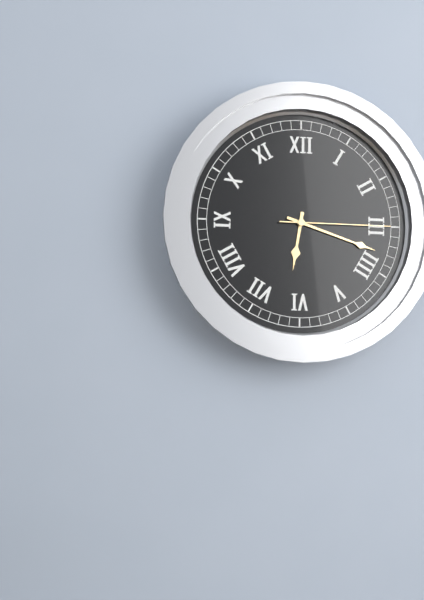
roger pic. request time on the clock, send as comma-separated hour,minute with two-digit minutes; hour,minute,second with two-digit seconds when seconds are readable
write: 6,18,15
